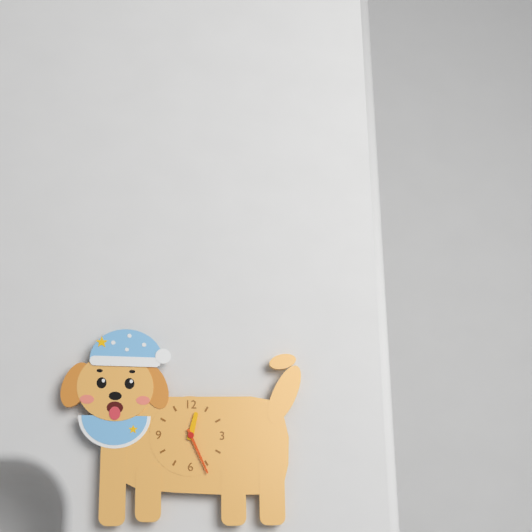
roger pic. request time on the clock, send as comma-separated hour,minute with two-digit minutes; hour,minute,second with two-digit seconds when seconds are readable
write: 12,26
